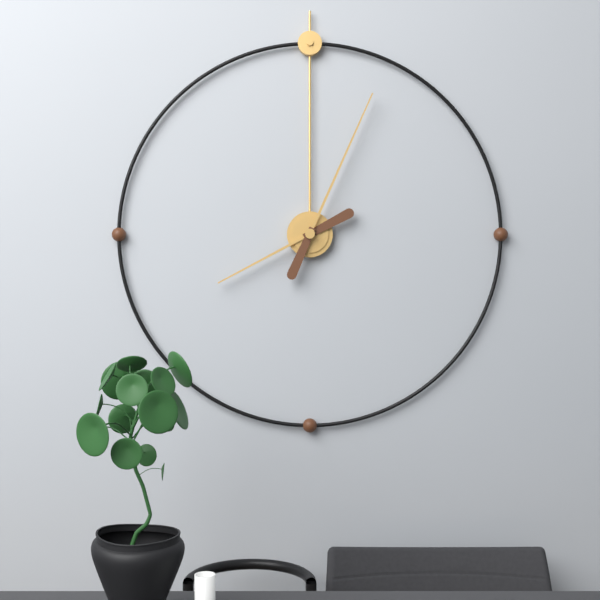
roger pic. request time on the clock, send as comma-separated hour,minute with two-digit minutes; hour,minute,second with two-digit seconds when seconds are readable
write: 8,04
